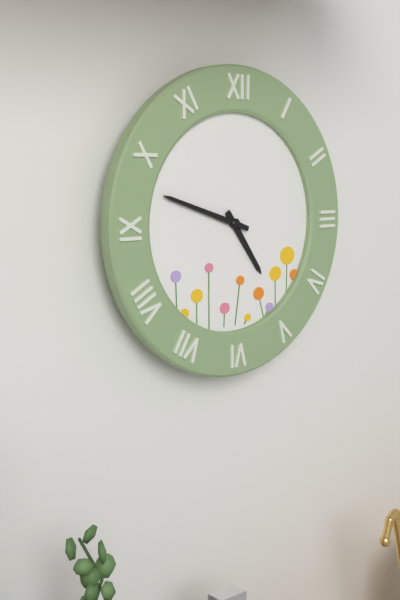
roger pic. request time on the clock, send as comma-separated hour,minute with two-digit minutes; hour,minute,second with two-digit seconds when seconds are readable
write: 4,48
